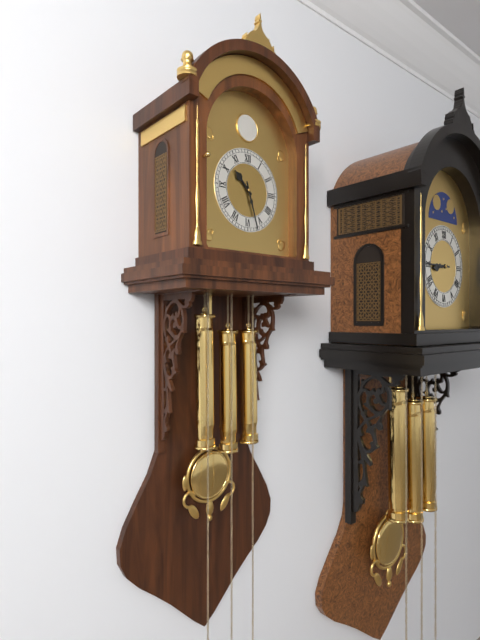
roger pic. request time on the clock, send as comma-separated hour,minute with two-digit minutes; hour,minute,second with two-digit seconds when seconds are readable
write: 10,27
